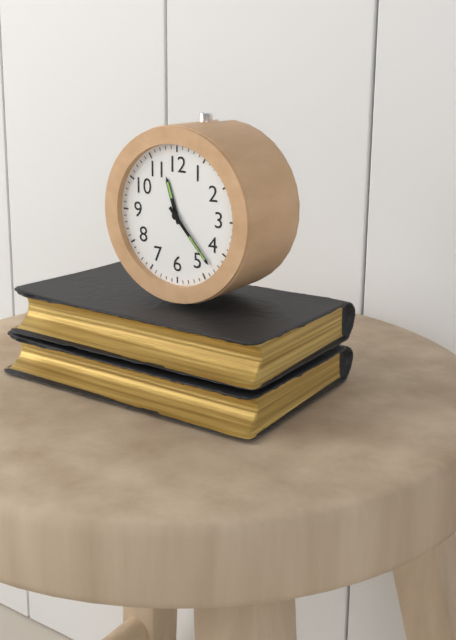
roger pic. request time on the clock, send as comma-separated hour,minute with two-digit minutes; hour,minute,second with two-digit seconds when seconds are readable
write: 11,23
